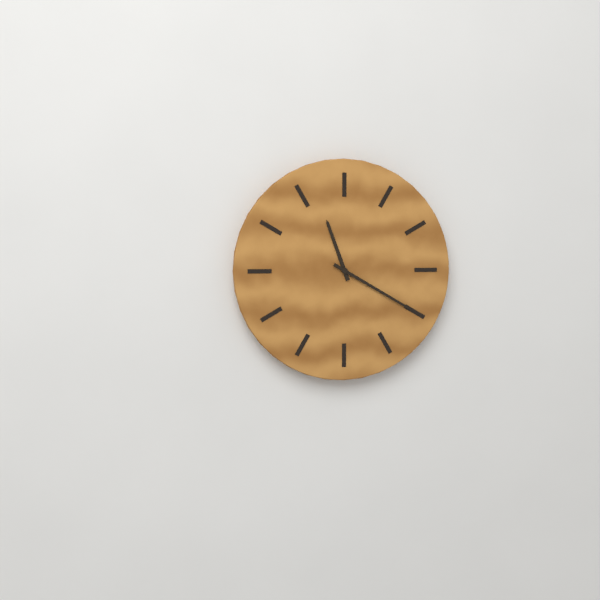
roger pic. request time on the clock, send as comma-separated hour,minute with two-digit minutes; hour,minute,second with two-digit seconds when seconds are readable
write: 11,20
